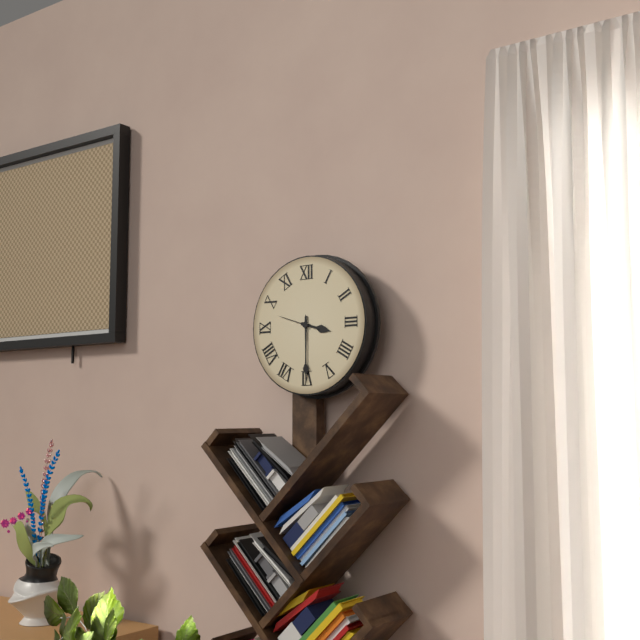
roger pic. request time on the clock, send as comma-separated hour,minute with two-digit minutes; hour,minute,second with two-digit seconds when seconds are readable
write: 3,30
